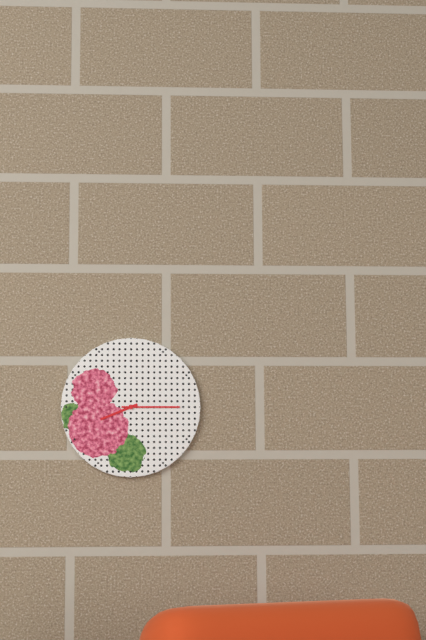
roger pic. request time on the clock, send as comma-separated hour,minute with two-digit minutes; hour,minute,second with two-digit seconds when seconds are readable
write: 8,15
